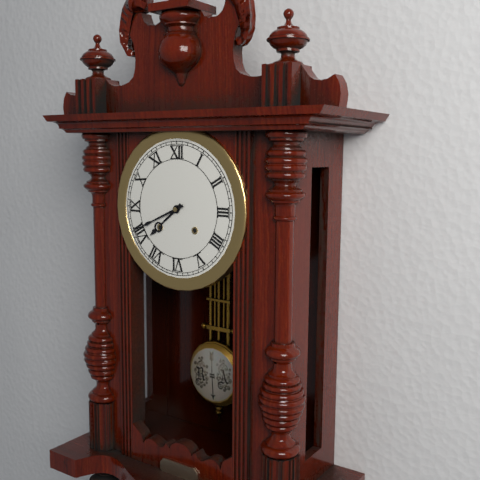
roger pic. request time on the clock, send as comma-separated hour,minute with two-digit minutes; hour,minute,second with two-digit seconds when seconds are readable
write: 7,41
